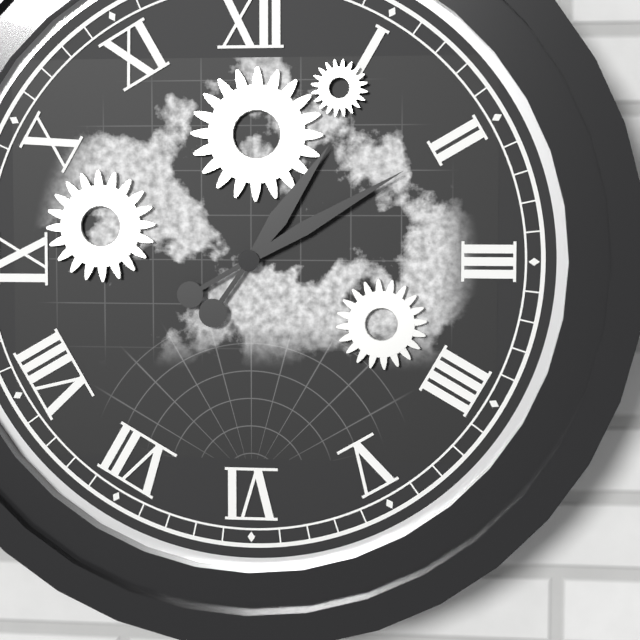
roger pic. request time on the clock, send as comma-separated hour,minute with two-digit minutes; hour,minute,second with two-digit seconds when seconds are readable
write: 1,10
